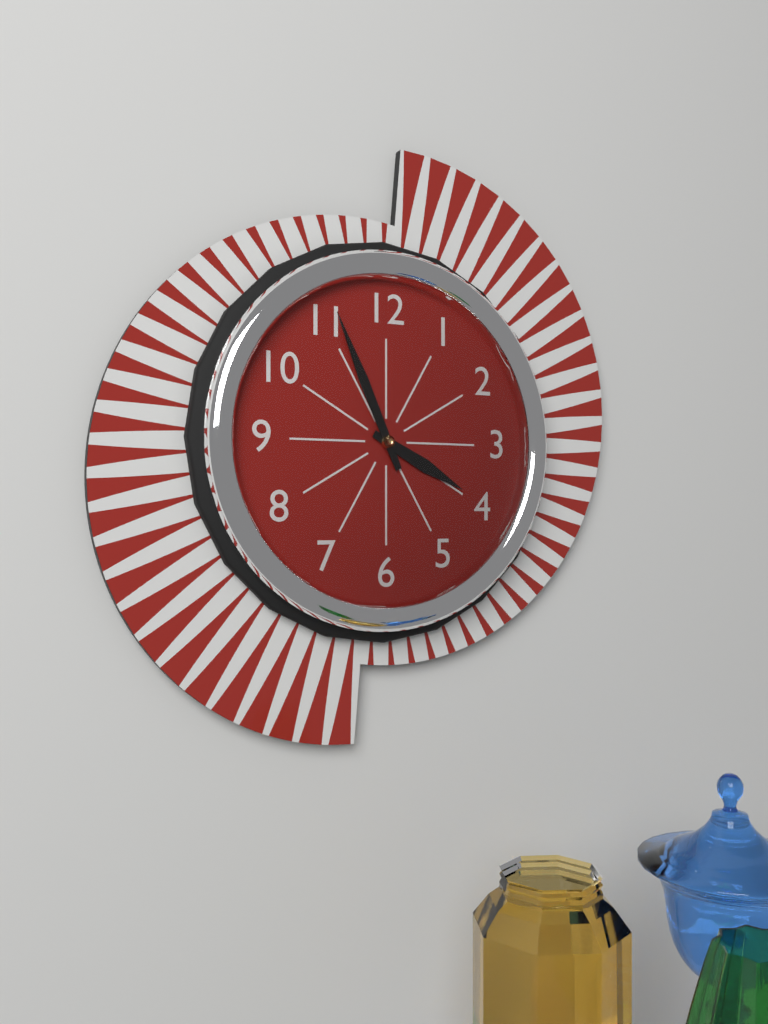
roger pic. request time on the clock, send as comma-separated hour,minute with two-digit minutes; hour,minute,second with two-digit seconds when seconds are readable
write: 3,56
